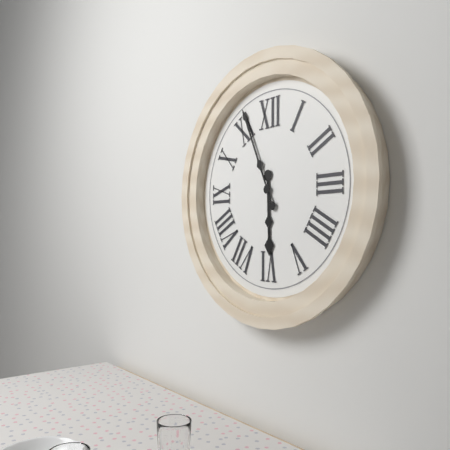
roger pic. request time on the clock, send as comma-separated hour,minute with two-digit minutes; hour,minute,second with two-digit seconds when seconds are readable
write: 5,56
